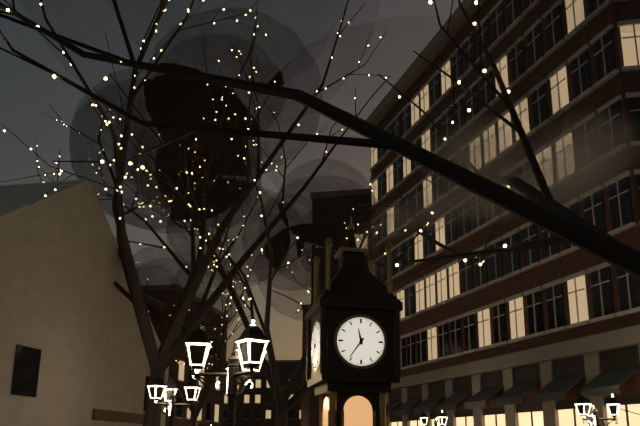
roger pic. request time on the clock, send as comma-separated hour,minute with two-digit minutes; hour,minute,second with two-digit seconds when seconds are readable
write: 11,36
